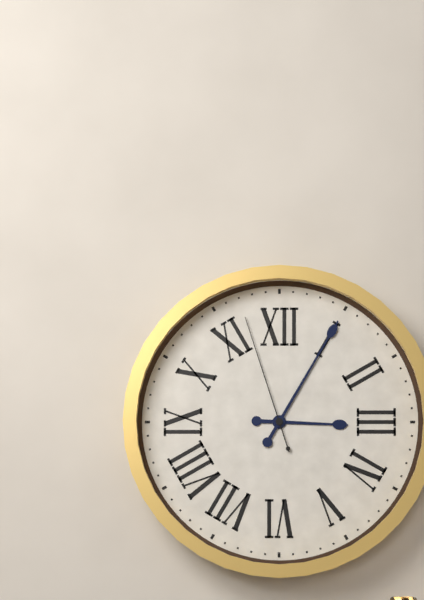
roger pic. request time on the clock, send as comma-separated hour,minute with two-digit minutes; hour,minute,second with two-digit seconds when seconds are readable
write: 3,05,57
